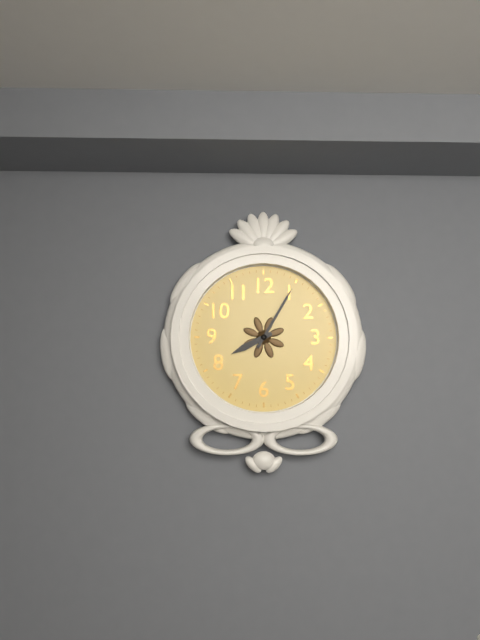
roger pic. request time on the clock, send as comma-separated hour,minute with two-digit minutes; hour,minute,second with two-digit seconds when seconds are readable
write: 8,05
